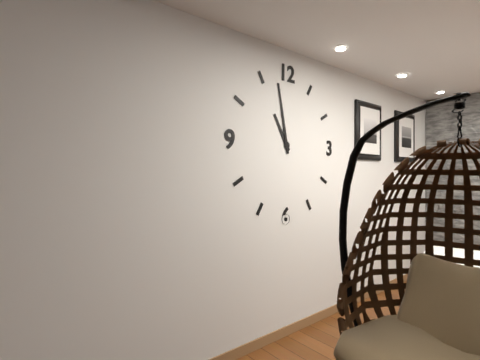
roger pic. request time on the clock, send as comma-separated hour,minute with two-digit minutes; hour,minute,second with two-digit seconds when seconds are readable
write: 10,58
